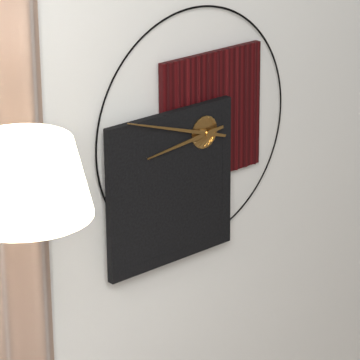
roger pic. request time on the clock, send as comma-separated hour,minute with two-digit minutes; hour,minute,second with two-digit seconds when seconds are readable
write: 8,48
